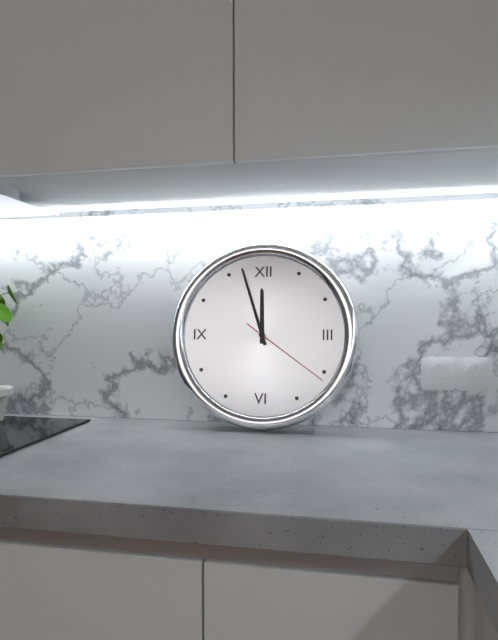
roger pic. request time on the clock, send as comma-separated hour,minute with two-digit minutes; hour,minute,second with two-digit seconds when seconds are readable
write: 11,57,21
